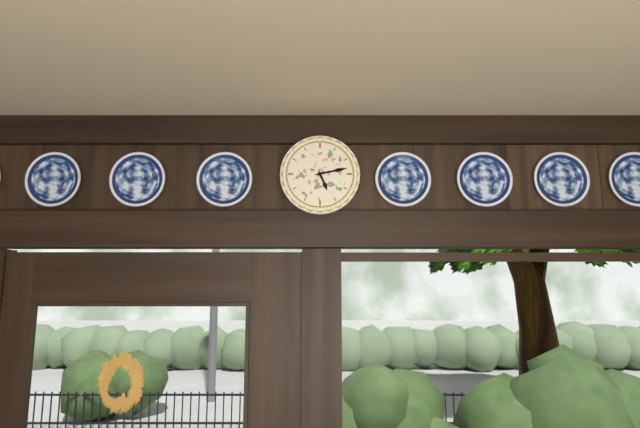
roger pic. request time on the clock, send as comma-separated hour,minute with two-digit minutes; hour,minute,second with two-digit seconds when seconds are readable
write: 5,13
